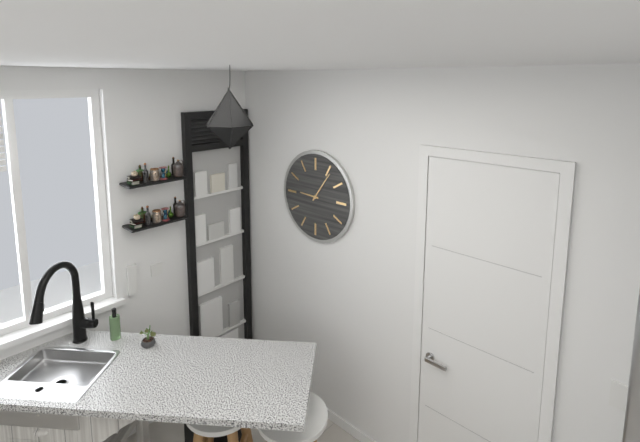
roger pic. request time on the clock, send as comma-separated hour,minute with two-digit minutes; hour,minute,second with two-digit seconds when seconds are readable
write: 9,06
